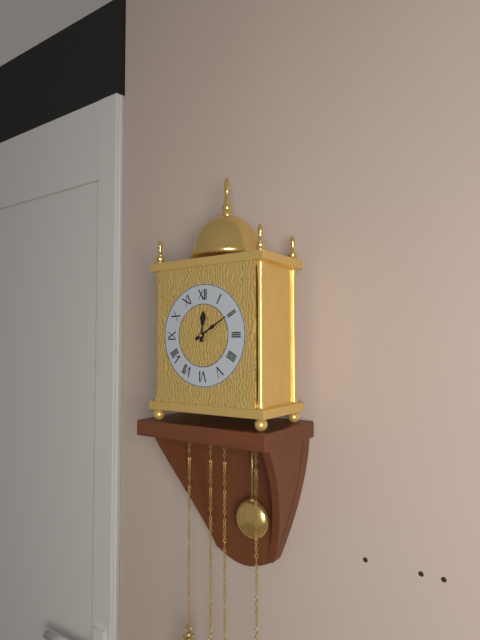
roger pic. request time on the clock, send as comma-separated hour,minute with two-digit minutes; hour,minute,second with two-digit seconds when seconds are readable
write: 12,10
